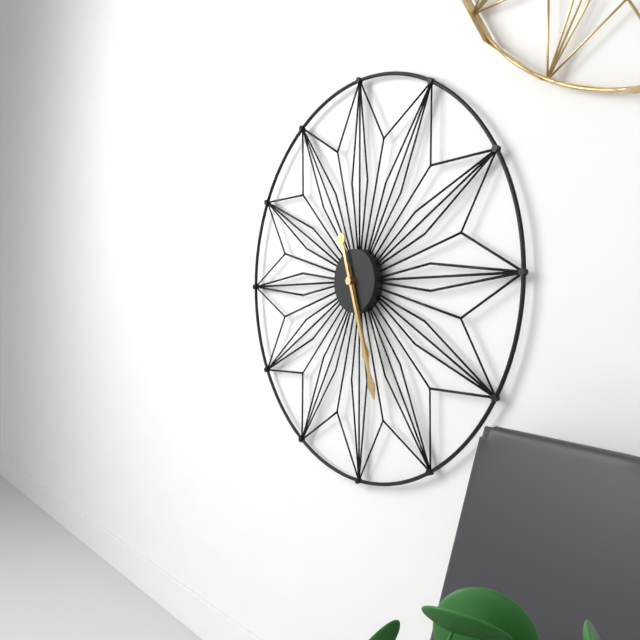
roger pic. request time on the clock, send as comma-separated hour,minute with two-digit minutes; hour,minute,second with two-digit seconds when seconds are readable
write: 5,27
